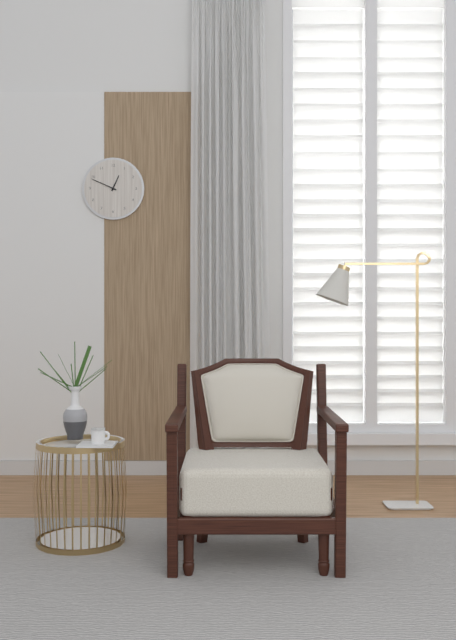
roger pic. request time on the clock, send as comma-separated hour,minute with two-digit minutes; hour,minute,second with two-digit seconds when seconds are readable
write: 12,49
